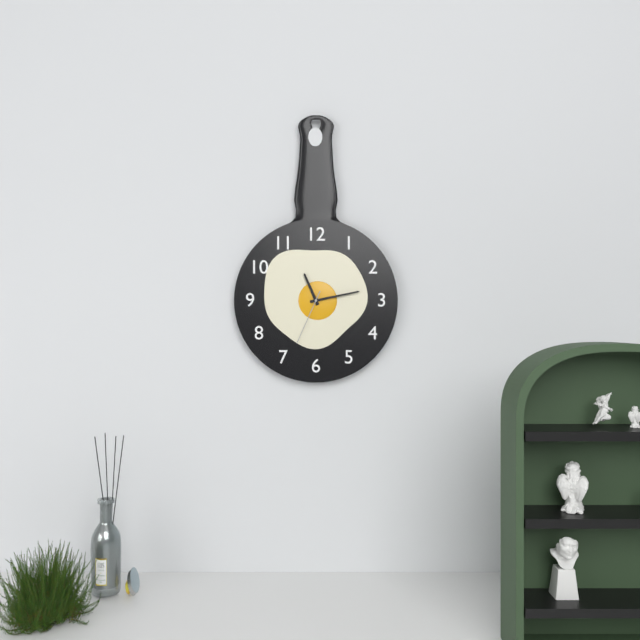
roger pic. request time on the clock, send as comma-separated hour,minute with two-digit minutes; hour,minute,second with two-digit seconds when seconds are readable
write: 11,13,34
